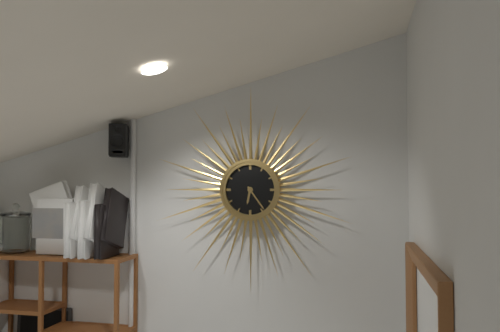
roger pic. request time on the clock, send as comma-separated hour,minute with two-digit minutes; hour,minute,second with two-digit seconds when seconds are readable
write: 6,24
